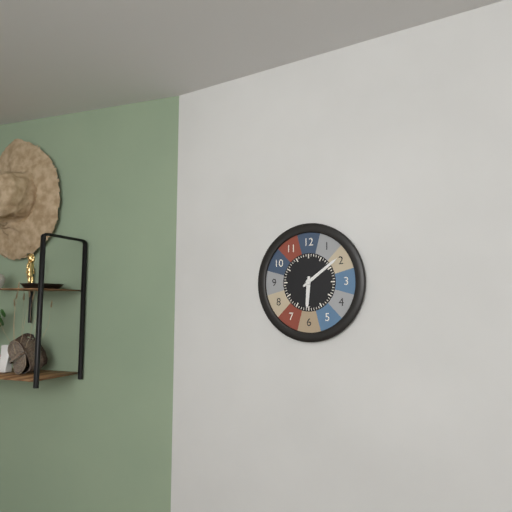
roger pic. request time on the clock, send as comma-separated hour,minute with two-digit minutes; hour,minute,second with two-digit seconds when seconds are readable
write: 6,09
